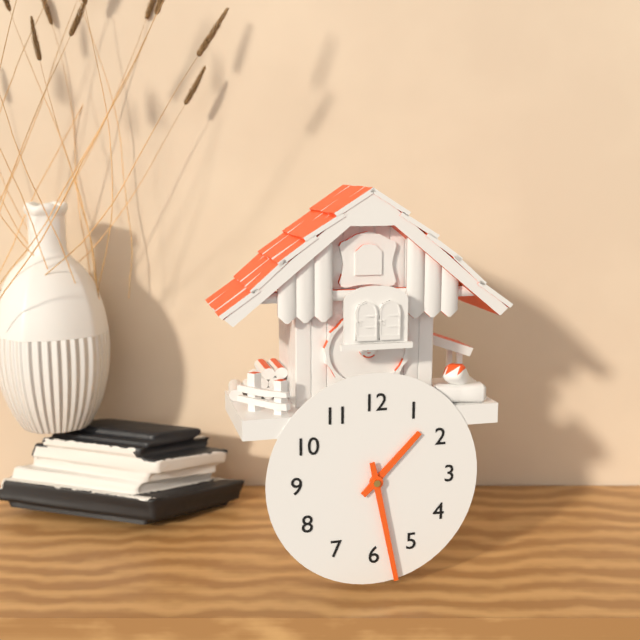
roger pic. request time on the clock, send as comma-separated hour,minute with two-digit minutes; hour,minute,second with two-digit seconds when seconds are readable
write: 1,28
